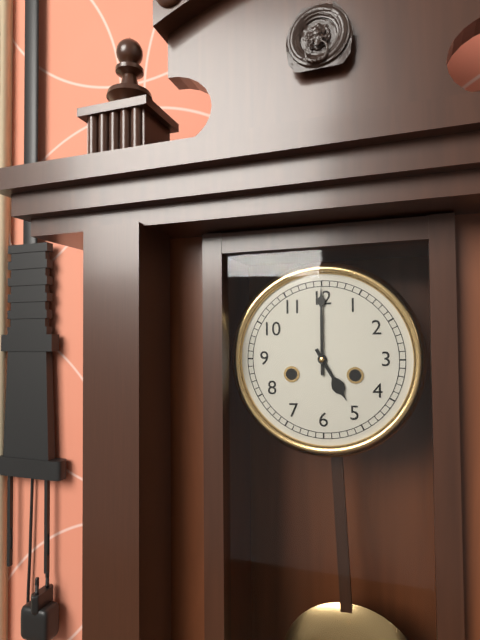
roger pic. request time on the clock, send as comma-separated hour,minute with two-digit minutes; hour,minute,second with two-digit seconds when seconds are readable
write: 5,00
